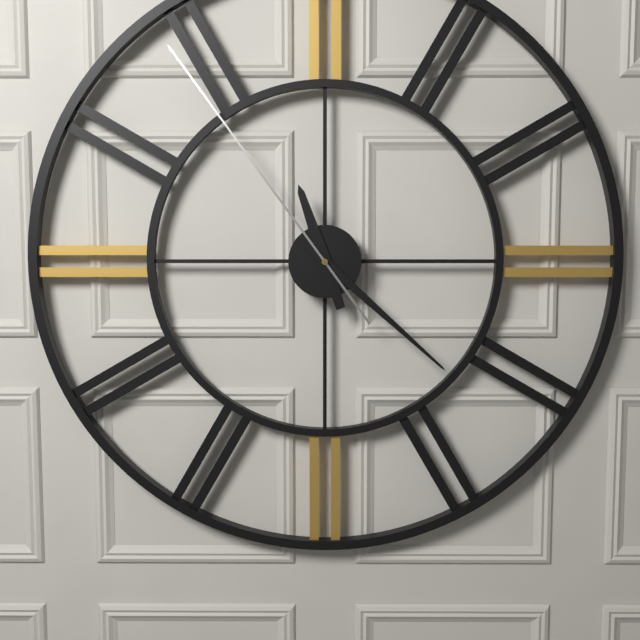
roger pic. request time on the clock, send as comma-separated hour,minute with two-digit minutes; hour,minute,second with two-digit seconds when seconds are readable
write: 11,22,54
